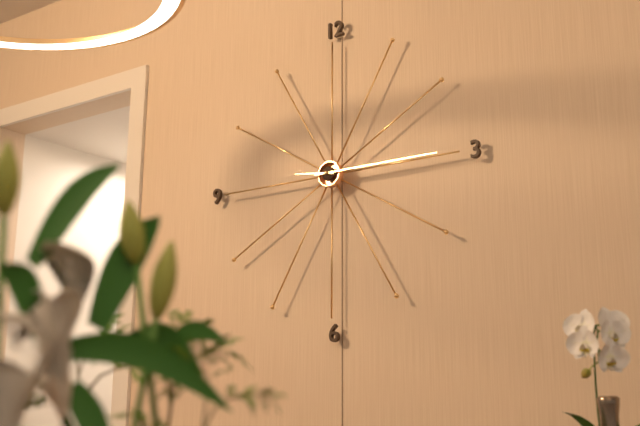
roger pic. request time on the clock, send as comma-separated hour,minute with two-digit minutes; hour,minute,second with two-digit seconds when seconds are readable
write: 9,15
